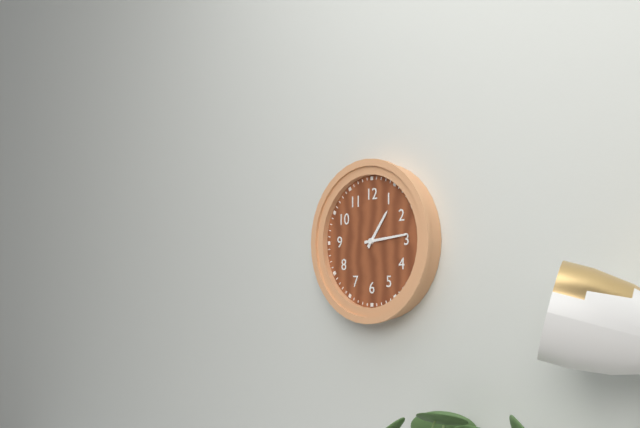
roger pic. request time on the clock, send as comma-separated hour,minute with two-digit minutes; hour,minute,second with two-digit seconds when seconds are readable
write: 1,14
